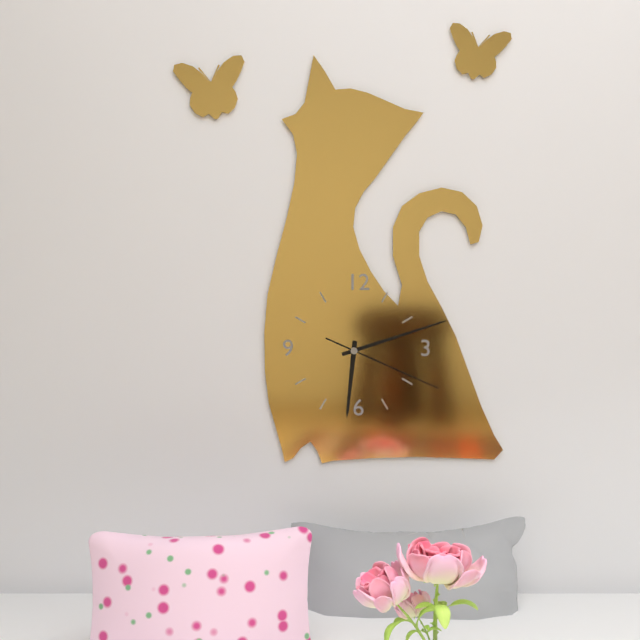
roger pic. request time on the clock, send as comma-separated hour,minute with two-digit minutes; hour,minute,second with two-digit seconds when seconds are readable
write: 6,12,19
